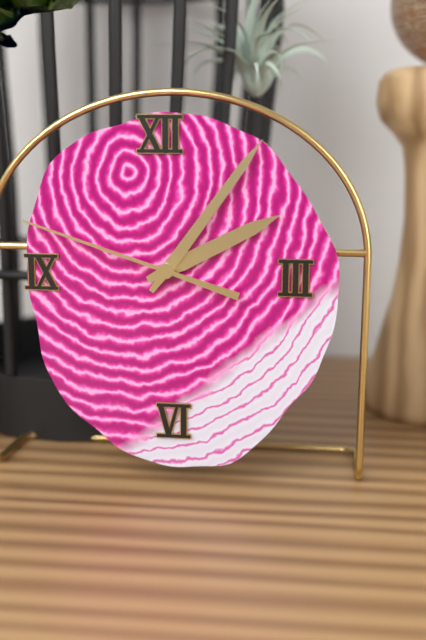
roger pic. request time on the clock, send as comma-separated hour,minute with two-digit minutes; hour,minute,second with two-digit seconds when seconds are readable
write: 2,06,48
